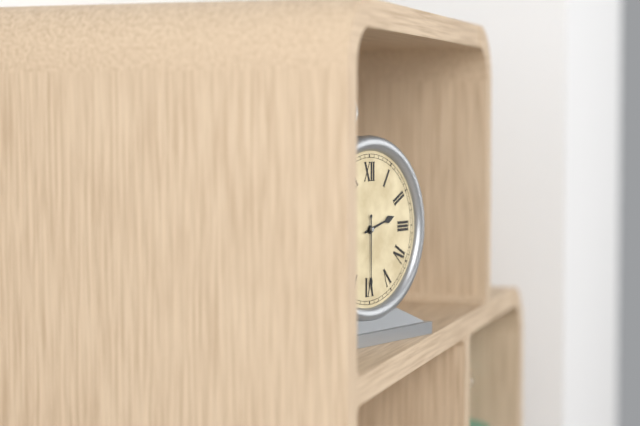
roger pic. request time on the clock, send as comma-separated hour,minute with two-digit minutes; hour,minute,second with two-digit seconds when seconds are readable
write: 2,30
